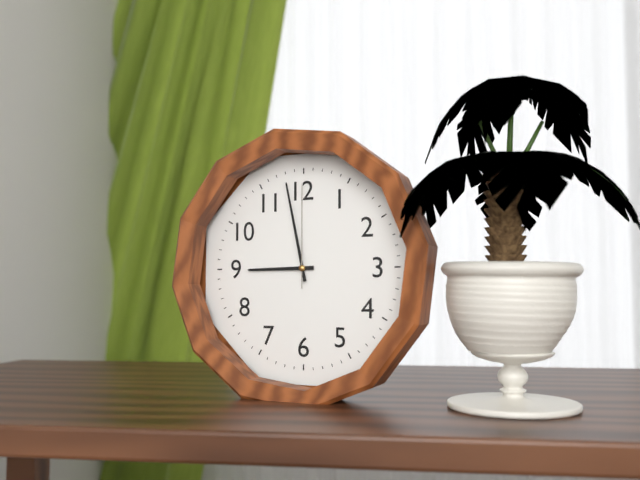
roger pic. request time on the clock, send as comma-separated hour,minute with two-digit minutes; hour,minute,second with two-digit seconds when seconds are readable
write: 8,58,00
